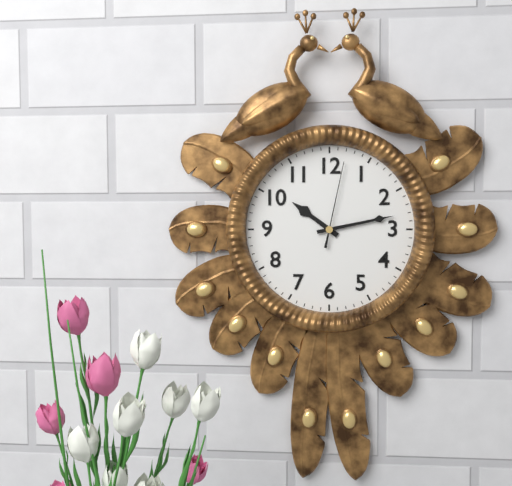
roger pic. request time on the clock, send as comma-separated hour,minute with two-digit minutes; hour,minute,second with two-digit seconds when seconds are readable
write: 10,13,02
